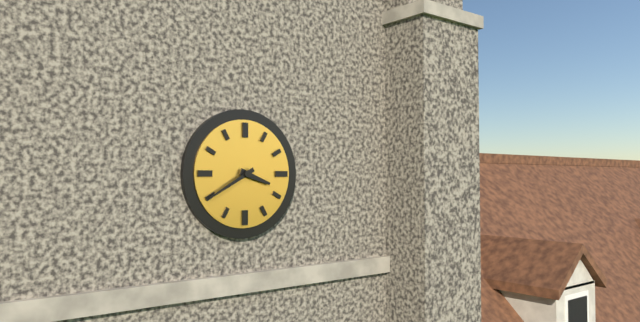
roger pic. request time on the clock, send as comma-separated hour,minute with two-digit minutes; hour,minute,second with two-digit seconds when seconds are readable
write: 3,40
